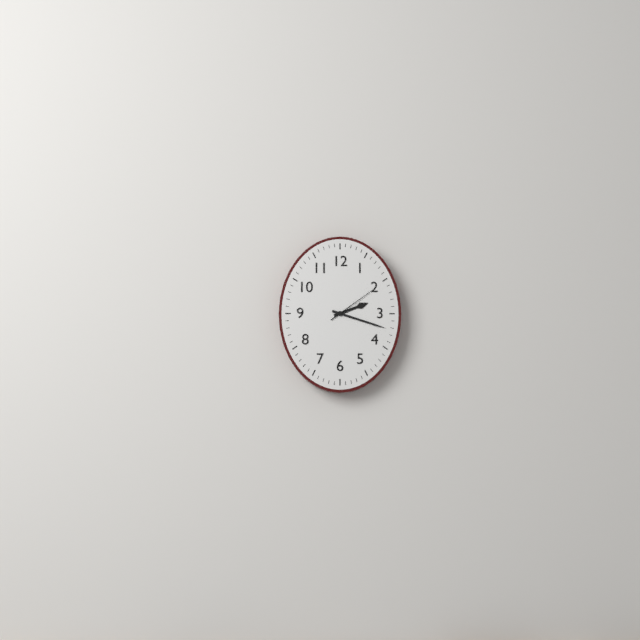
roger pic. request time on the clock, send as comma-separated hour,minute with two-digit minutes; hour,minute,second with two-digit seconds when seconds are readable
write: 2,18,09
